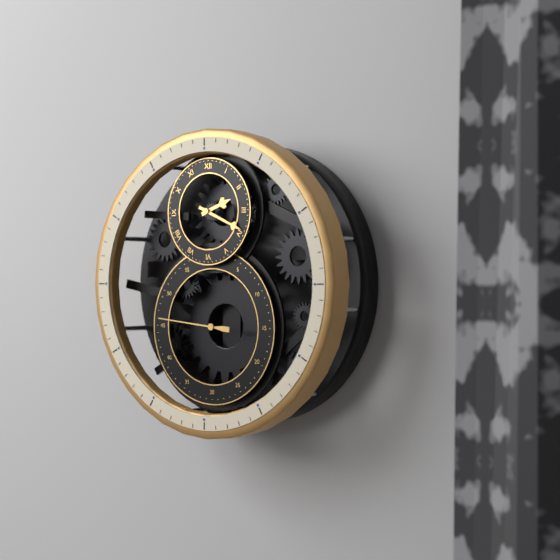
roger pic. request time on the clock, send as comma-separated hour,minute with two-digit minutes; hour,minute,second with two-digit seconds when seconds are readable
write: 2,19,46
